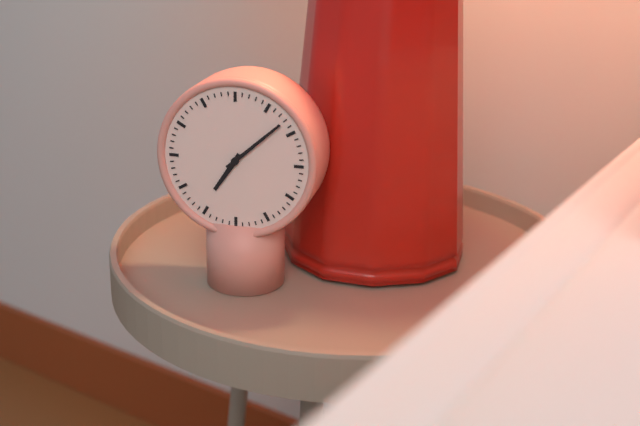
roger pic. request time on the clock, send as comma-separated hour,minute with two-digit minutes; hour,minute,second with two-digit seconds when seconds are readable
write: 7,08
